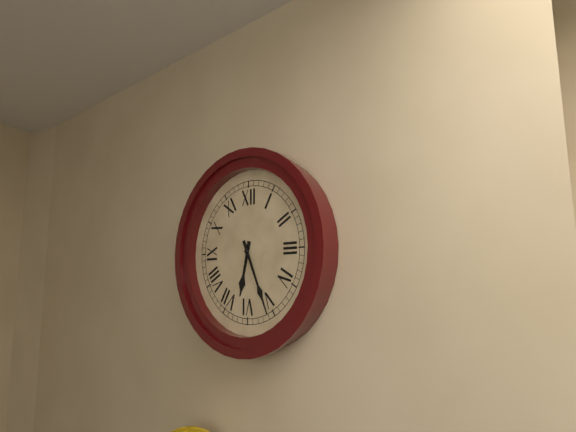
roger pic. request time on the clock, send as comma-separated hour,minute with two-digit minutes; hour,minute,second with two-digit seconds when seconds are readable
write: 6,26
